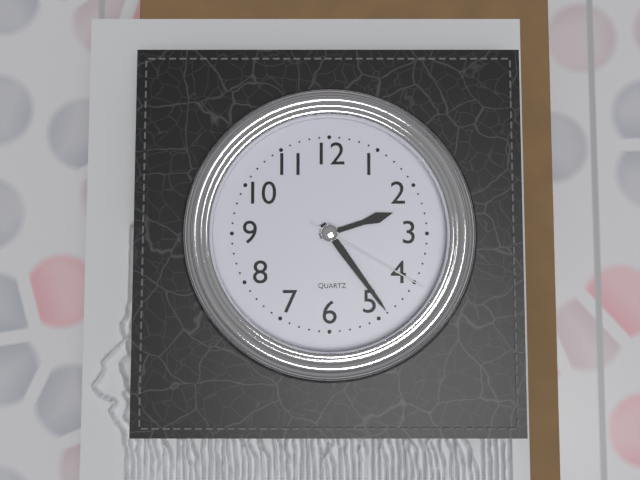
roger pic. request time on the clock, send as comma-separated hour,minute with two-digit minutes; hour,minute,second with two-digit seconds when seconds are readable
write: 2,24,20
